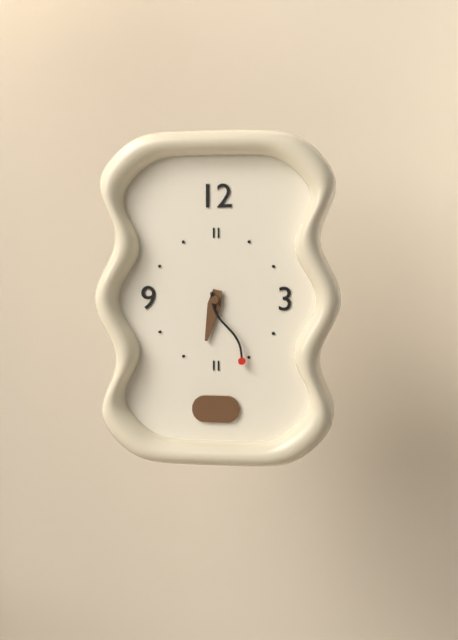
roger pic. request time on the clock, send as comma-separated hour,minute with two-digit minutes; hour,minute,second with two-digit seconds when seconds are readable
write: 6,26
